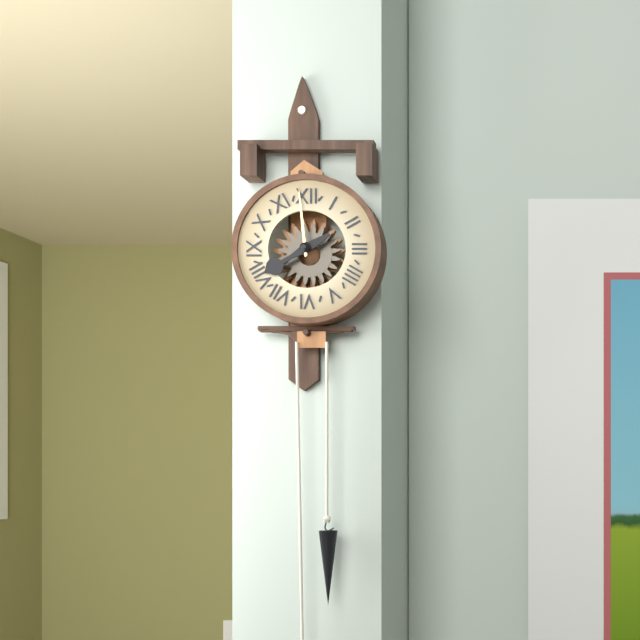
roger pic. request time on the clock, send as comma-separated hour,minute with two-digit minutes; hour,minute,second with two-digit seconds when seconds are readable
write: 7,59
